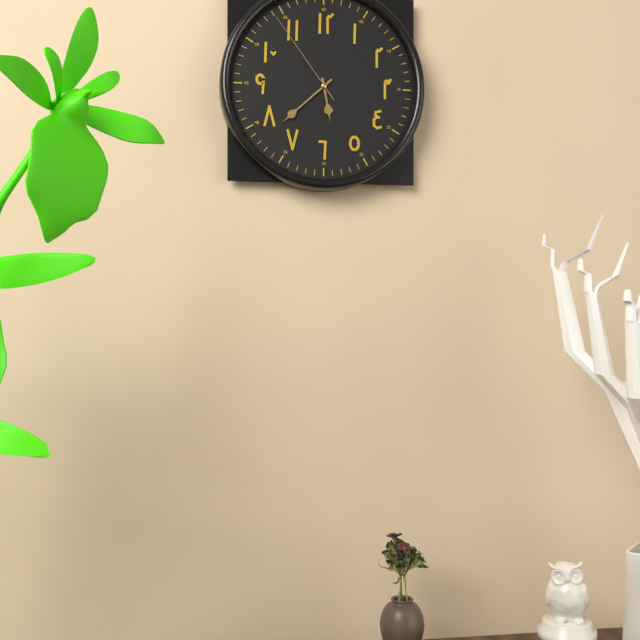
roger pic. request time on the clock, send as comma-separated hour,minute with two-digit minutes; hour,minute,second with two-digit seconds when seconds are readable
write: 5,38,54
